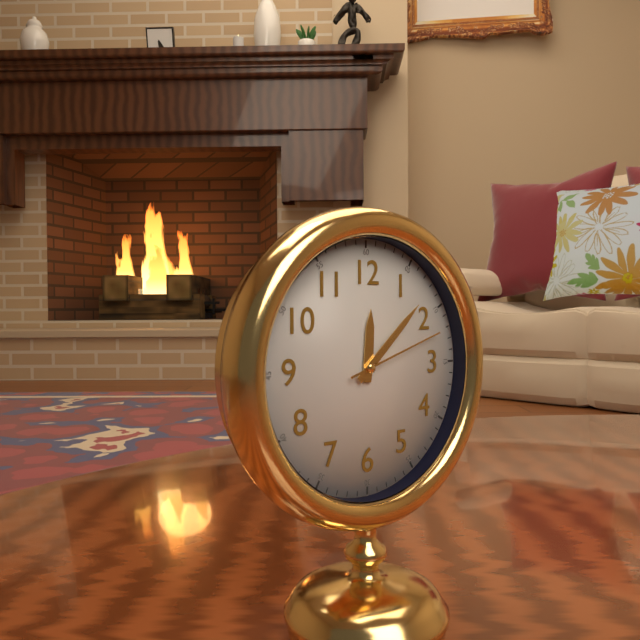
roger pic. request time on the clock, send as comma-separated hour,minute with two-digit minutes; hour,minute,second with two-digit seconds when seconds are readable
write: 12,08,12
